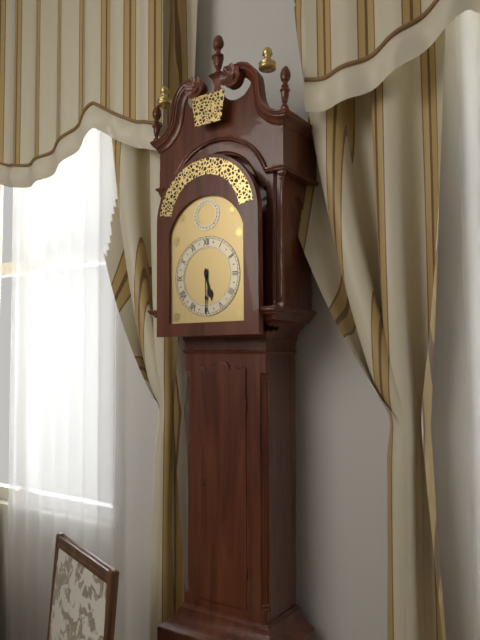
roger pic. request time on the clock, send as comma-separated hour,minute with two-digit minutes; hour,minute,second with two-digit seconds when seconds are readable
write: 5,30
